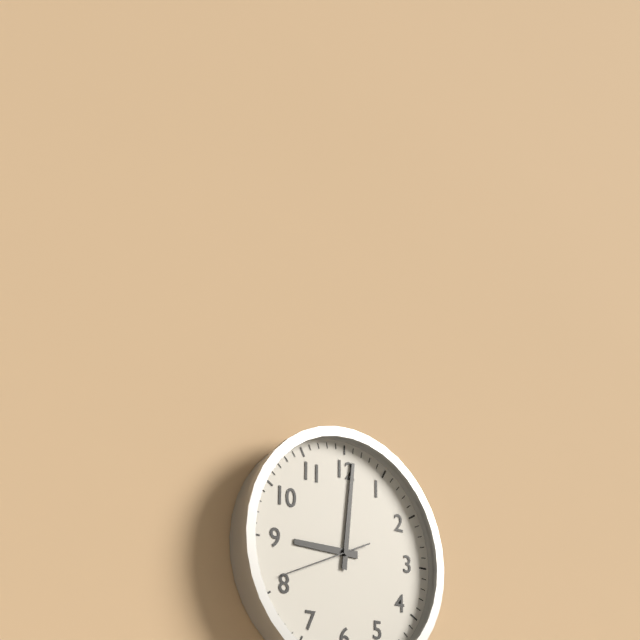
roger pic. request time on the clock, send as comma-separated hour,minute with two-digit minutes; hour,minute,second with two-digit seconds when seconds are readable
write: 9,01,41
